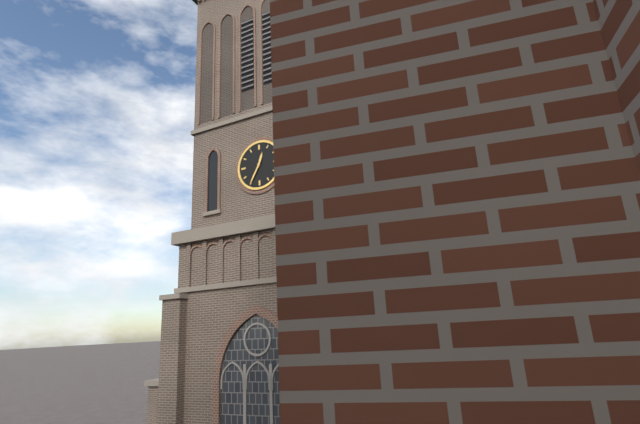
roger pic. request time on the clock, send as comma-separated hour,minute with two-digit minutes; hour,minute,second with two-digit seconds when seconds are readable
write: 12,35
